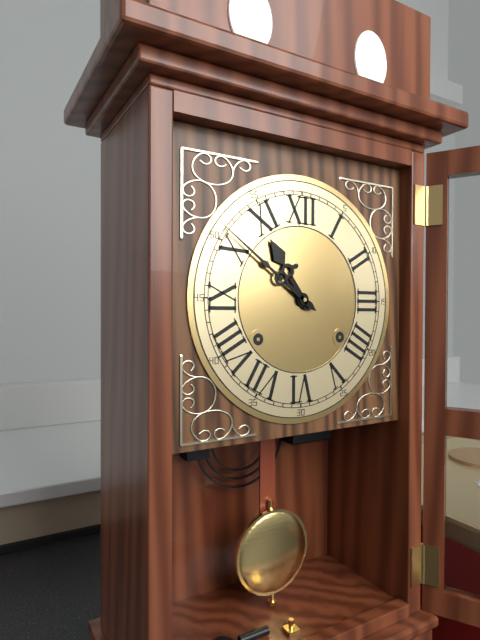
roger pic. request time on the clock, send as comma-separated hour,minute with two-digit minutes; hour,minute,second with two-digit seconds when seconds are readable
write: 10,51
